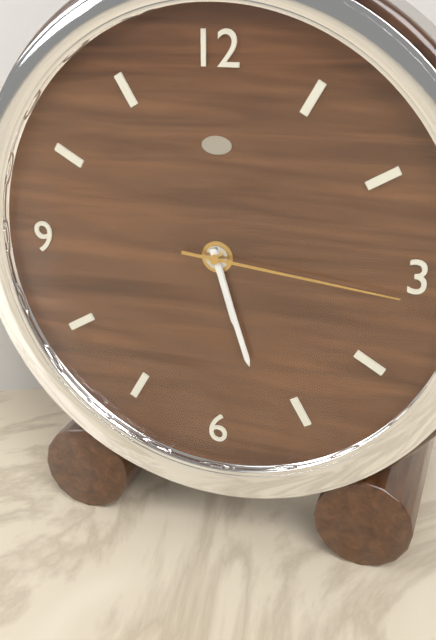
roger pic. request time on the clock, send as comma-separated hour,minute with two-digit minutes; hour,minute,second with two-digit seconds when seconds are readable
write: 5,27,16
